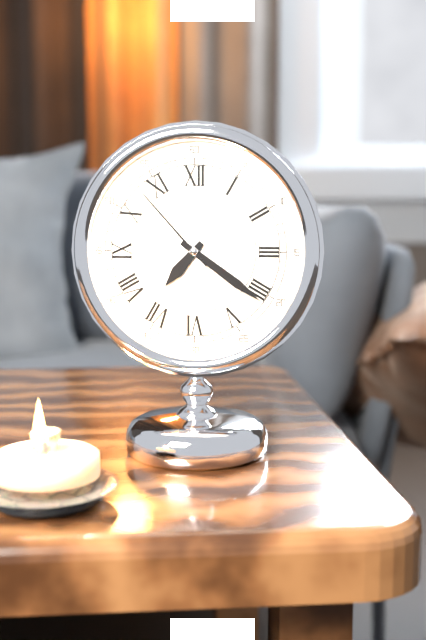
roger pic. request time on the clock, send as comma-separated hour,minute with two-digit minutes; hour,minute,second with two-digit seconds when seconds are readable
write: 7,21,53
